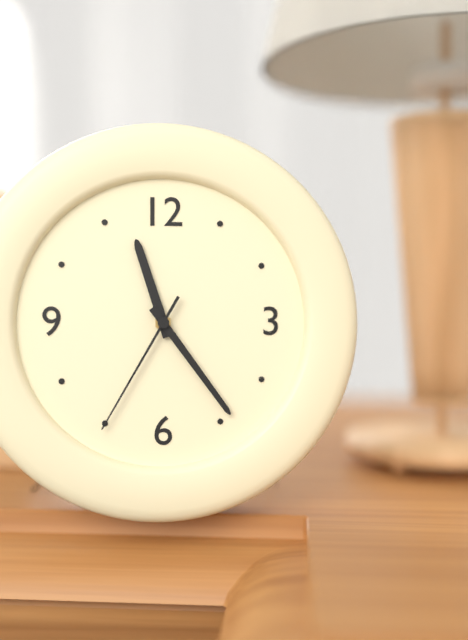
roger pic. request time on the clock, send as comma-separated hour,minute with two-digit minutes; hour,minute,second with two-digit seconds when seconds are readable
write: 11,24,35
